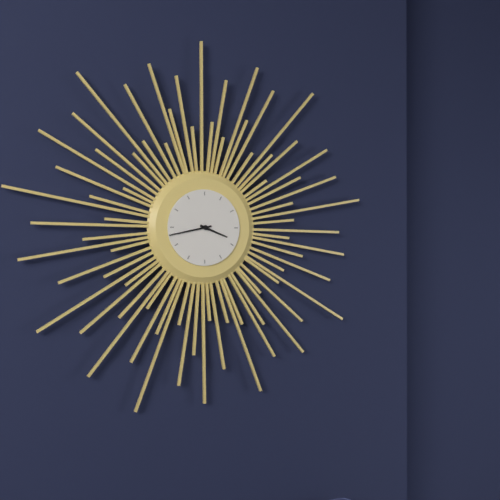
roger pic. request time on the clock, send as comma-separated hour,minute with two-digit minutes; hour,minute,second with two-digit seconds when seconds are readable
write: 3,43
